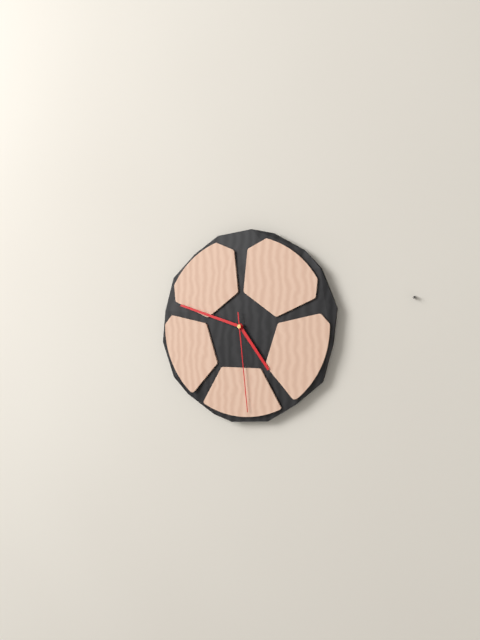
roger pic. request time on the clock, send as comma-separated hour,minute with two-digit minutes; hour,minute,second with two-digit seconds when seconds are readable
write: 4,48,29
